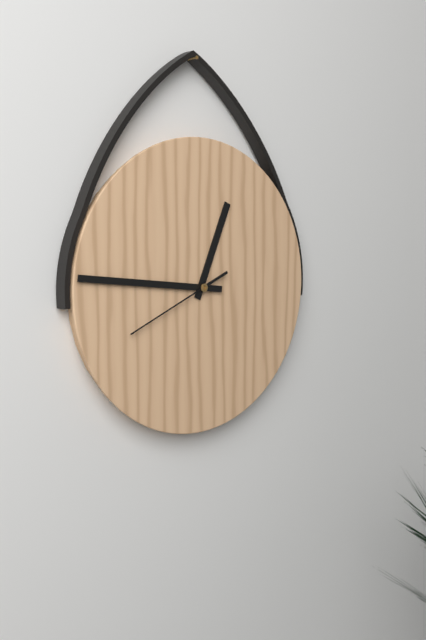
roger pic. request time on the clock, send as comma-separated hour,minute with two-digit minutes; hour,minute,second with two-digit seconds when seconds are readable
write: 12,46,41
